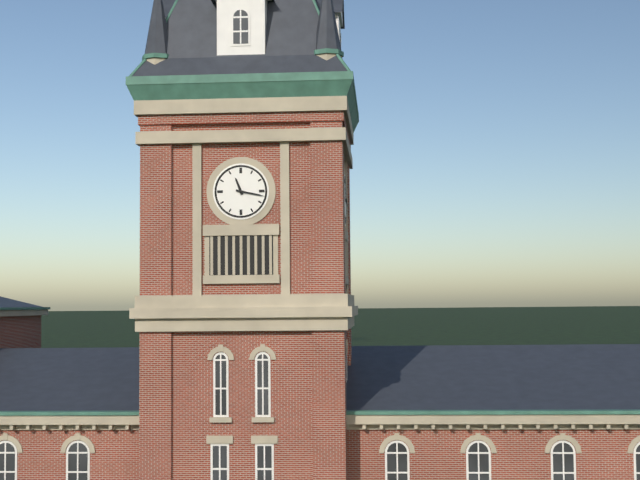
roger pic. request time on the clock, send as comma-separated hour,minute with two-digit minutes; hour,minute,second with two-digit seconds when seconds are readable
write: 11,17
